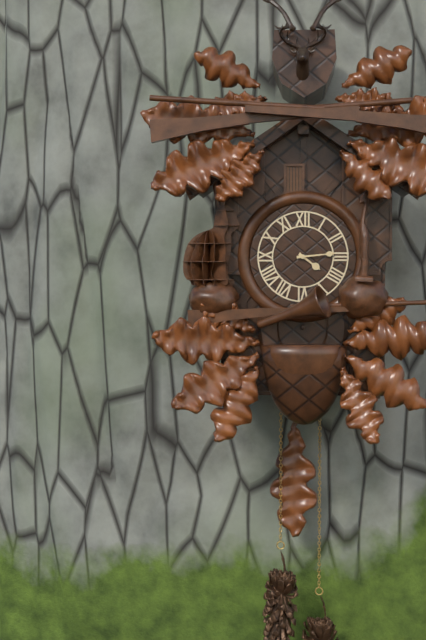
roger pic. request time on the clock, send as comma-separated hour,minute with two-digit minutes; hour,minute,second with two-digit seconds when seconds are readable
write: 4,14
